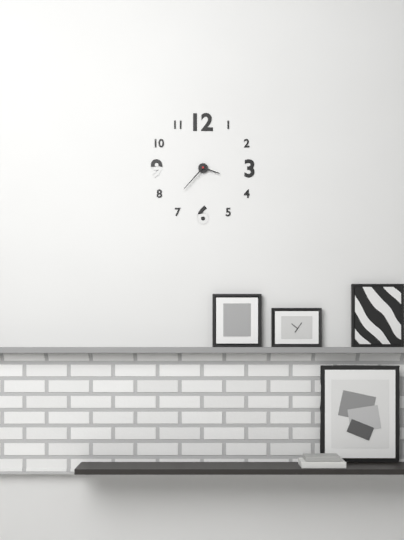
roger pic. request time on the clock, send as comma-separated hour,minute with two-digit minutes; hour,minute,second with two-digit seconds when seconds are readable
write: 3,37
